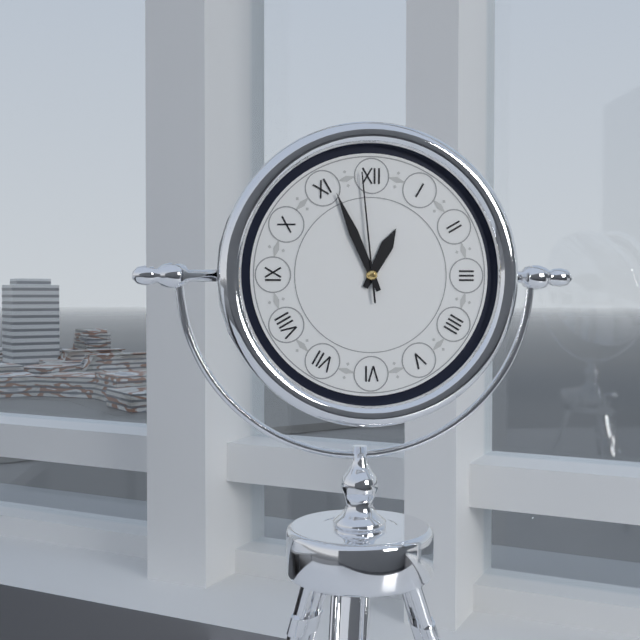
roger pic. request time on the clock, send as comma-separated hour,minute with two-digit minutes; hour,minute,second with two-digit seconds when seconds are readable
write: 12,56,59
